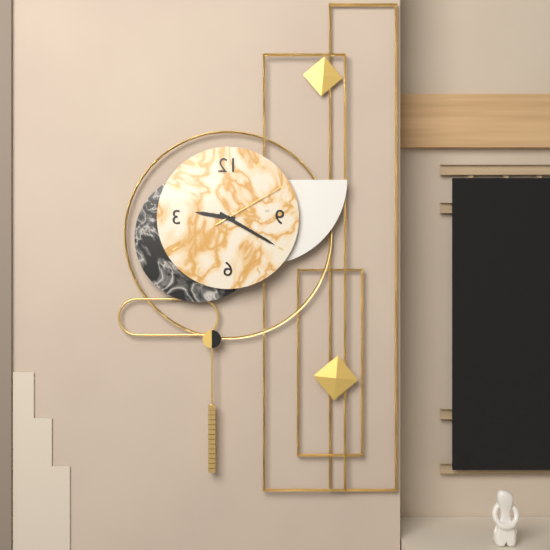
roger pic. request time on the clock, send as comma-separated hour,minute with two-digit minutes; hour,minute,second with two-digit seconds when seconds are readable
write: 9,20,10
